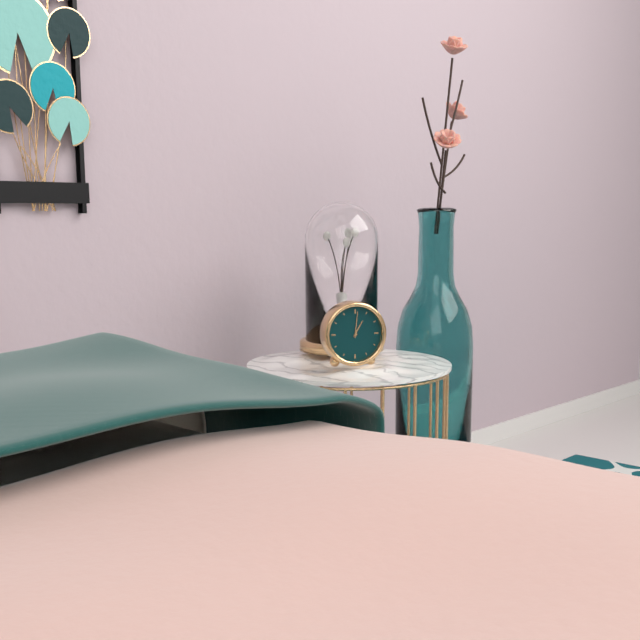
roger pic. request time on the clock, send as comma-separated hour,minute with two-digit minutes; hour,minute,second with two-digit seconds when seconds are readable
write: 1,01
